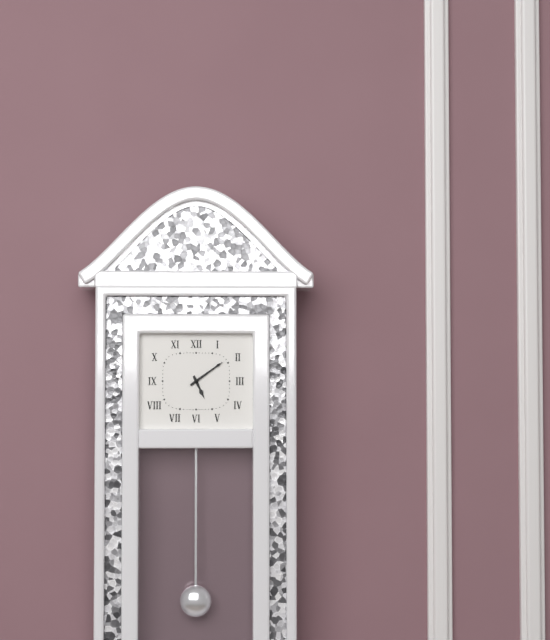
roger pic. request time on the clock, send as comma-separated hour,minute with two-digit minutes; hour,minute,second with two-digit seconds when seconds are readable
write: 5,09
